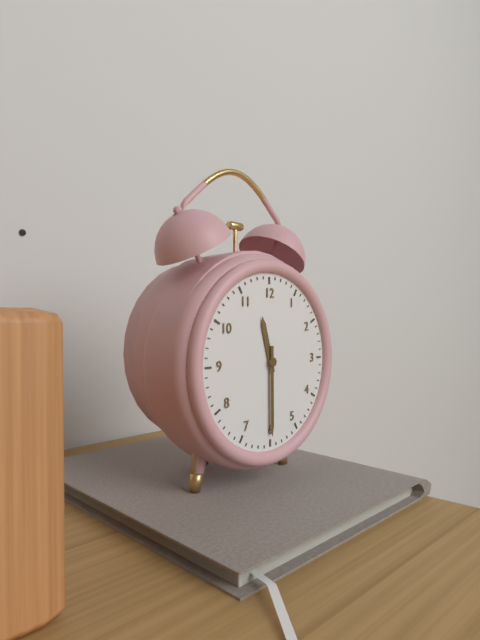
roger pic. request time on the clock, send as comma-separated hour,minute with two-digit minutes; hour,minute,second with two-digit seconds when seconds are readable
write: 11,30
